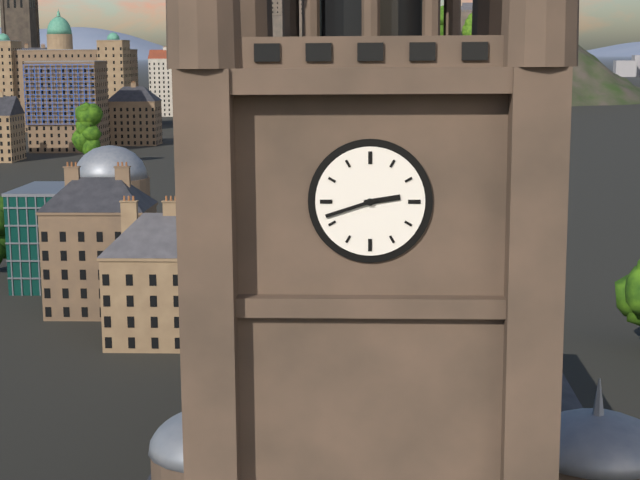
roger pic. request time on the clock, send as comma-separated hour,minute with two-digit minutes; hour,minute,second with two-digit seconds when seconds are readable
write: 2,42
